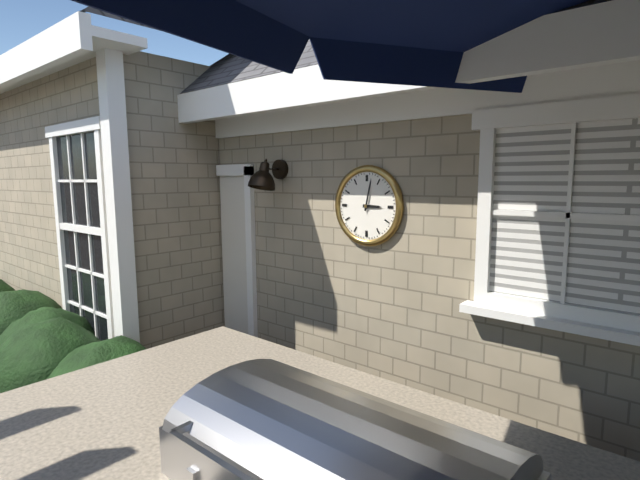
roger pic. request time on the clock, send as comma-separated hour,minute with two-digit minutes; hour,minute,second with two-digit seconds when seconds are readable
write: 3,02
